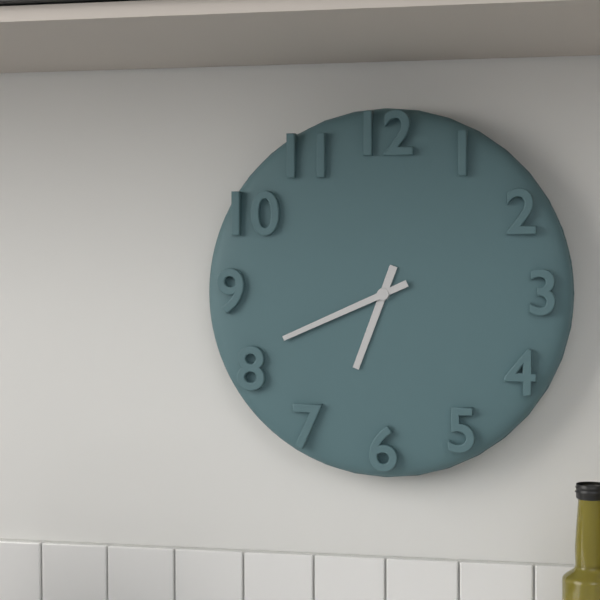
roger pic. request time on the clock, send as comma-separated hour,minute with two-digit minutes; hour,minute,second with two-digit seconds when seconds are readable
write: 6,41
